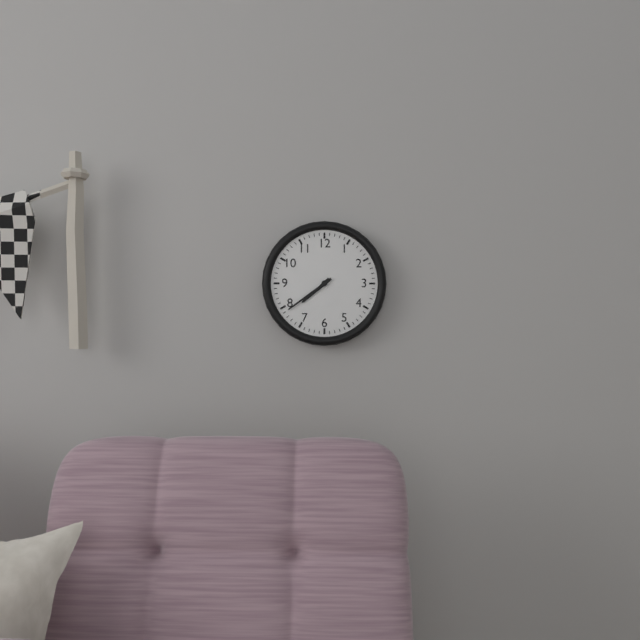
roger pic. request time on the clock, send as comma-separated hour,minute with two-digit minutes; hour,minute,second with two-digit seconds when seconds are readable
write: 7,39
